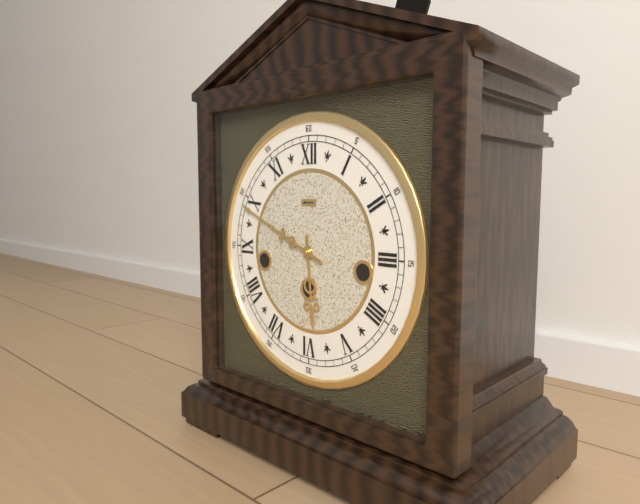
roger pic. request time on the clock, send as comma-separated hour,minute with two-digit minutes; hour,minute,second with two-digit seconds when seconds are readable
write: 5,49
